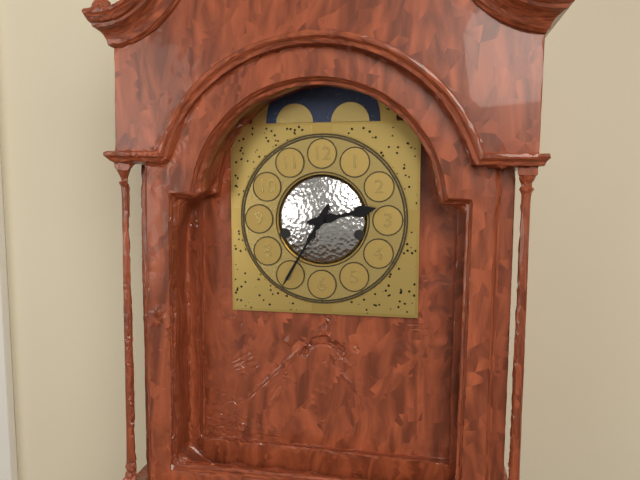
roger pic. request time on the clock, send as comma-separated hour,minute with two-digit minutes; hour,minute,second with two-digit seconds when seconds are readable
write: 2,35
